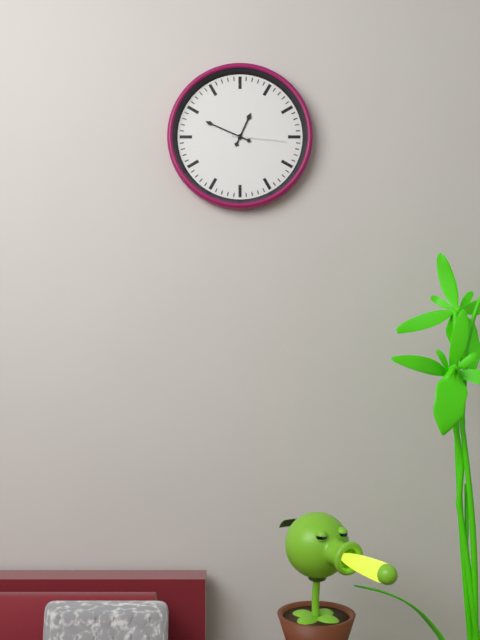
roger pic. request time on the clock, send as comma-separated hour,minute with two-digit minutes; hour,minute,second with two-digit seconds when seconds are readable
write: 12,49,16
